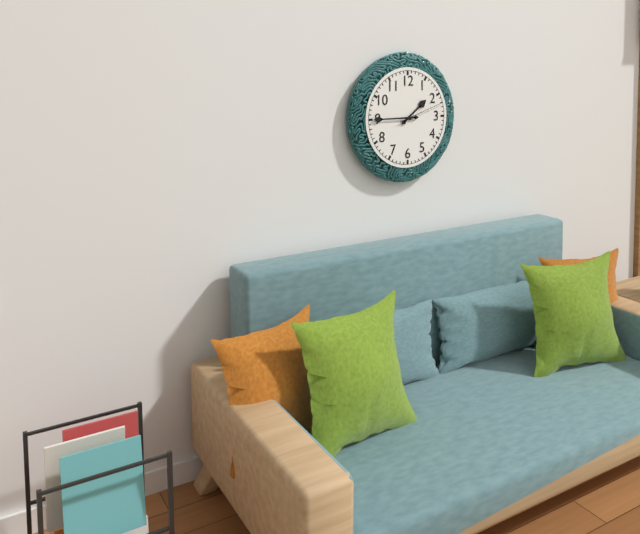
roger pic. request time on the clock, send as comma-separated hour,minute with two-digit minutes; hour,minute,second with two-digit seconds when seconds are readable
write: 1,45
